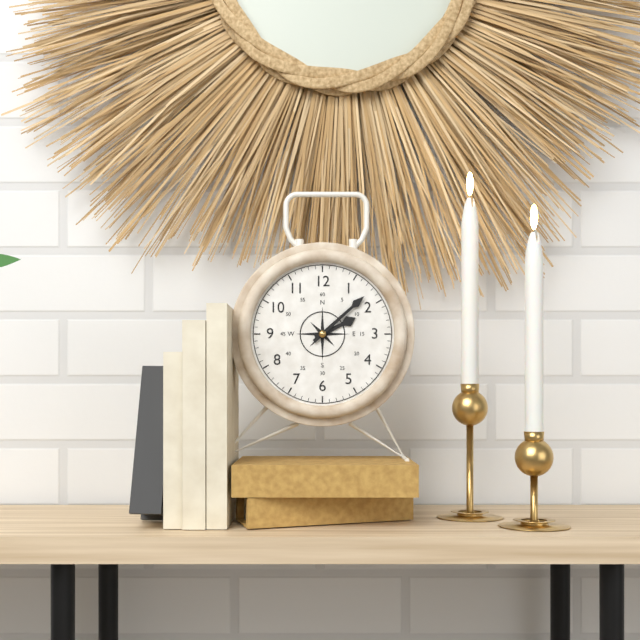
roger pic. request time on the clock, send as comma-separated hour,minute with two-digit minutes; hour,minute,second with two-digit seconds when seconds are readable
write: 2,08
